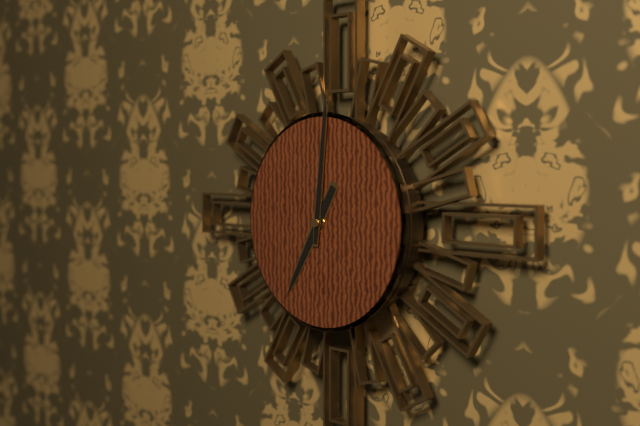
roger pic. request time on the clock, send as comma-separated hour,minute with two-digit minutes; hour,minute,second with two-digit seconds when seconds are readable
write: 7,01
